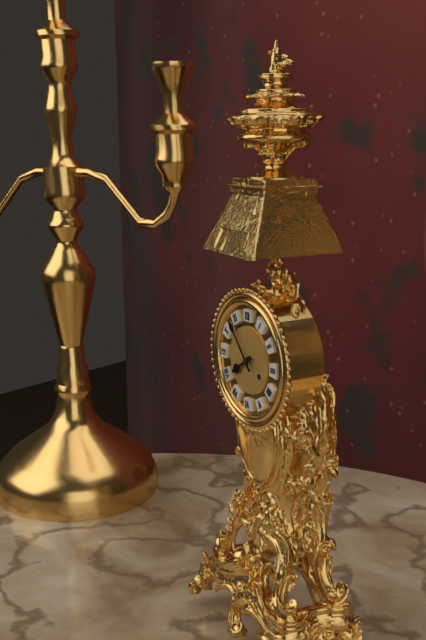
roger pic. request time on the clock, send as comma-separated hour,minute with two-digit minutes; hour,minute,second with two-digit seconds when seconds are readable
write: 7,53
